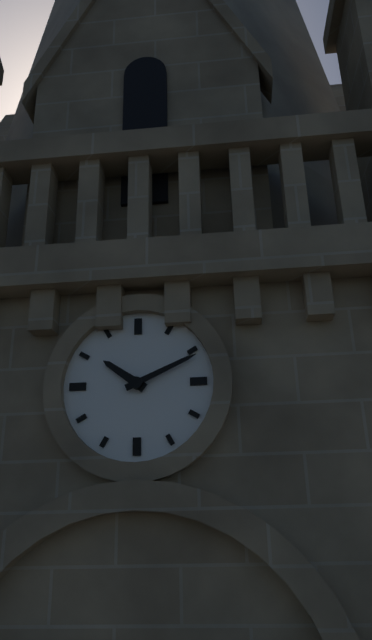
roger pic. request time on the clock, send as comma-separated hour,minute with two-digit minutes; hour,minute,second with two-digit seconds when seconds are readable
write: 10,11
